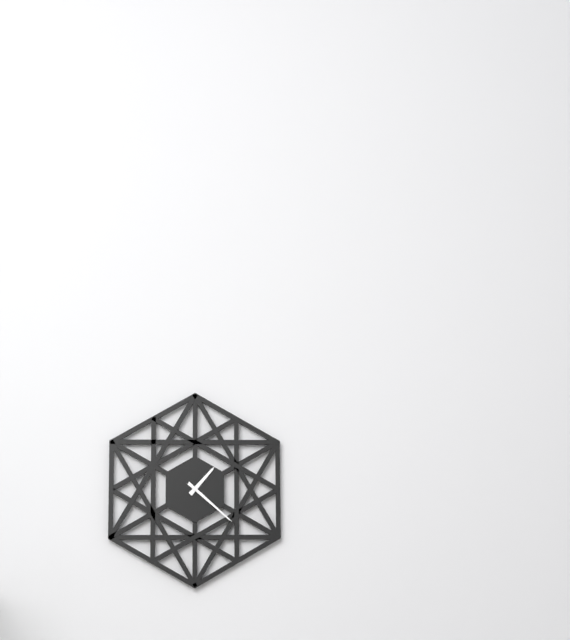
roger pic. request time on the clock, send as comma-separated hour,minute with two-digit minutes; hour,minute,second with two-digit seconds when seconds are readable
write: 1,22
